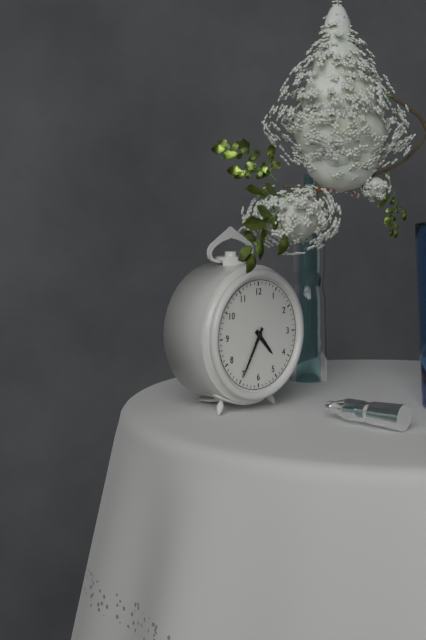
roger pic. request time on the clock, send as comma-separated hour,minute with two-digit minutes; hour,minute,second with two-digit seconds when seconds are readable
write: 4,35
